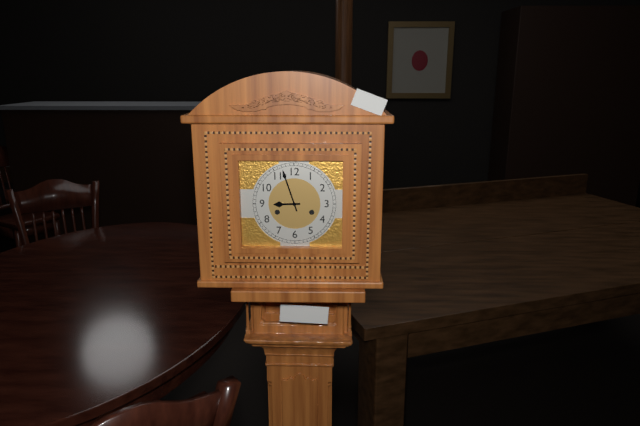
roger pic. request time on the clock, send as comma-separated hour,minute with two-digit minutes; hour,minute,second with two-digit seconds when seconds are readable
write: 8,57
